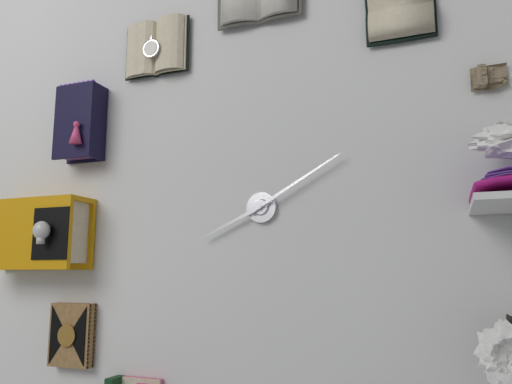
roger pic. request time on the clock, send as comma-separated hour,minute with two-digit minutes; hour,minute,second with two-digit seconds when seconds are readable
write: 8,10
